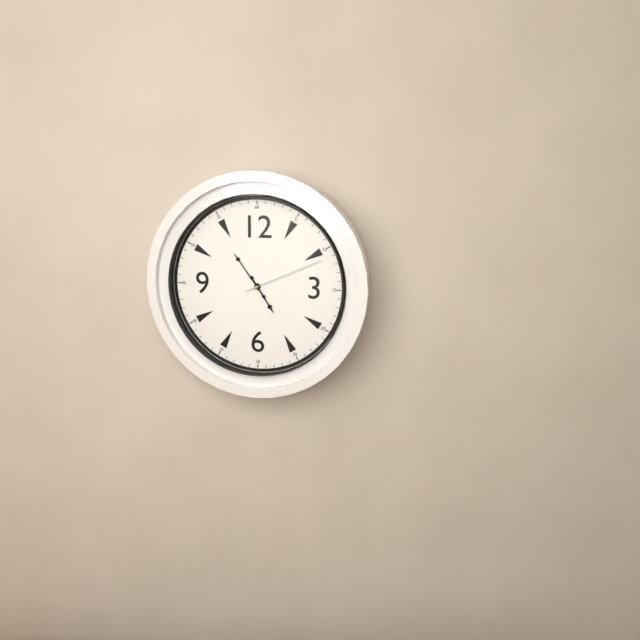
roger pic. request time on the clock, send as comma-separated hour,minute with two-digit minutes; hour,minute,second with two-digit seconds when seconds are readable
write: 4,54,11
